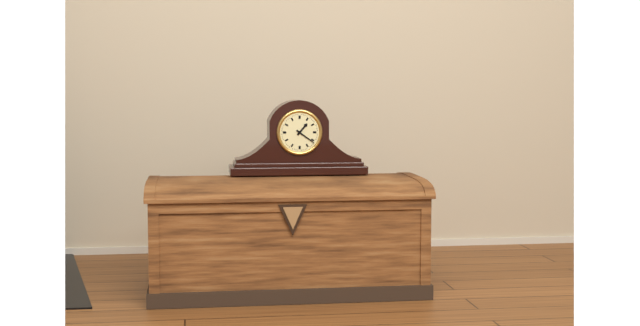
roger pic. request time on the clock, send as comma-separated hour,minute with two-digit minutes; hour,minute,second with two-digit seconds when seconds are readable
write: 1,21
